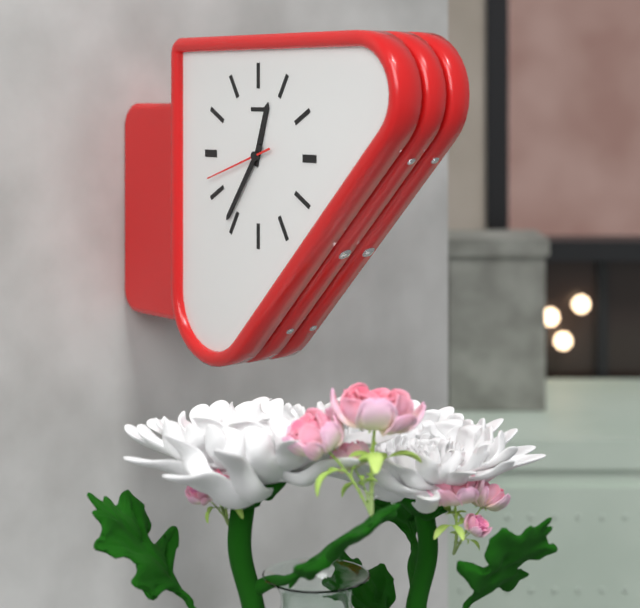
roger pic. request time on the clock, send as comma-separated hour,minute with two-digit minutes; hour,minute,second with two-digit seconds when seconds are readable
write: 12,36,42
